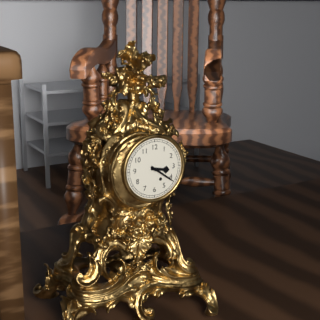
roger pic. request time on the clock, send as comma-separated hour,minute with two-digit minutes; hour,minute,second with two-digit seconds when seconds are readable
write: 3,21
